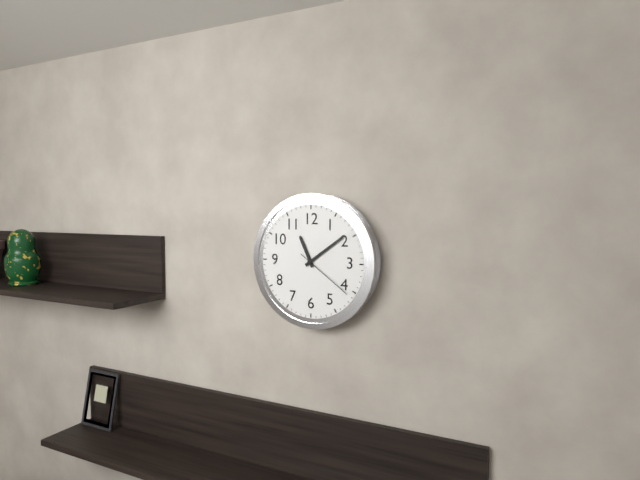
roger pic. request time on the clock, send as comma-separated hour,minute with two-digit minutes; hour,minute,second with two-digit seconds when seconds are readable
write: 11,09,21
